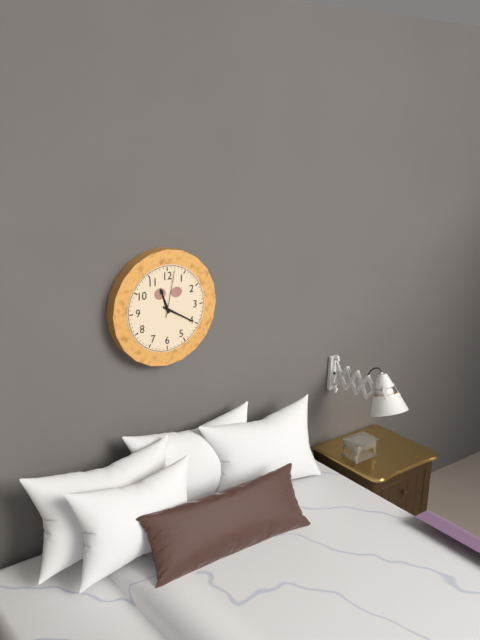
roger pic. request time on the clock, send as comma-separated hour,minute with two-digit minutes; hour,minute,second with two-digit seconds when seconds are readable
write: 11,20
